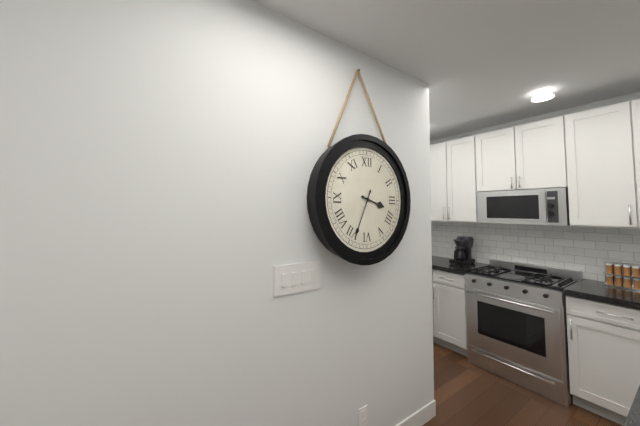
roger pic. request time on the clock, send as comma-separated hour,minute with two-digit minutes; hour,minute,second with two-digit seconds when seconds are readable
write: 3,34
